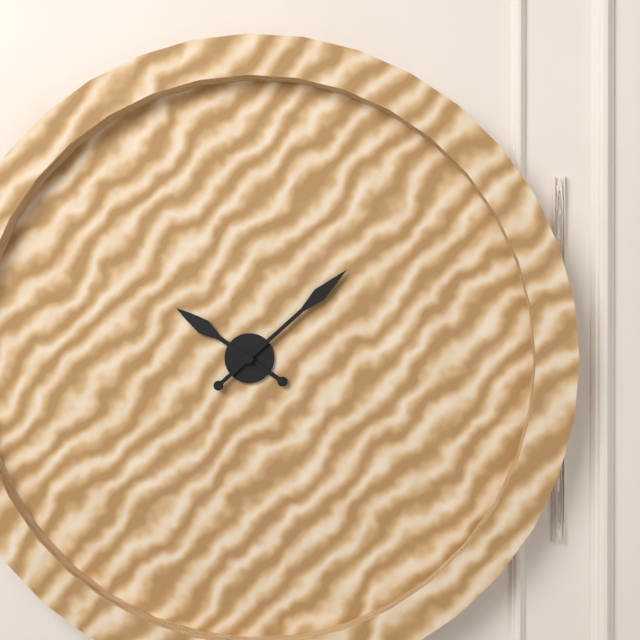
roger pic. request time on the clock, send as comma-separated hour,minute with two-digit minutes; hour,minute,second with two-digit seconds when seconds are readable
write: 10,08
